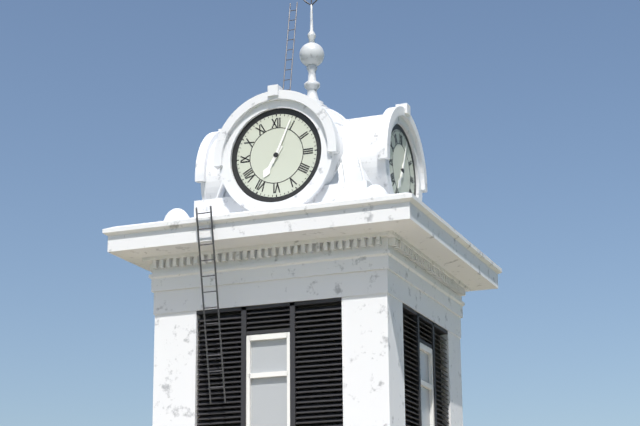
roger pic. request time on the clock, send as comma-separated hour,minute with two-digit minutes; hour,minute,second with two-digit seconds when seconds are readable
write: 7,04
